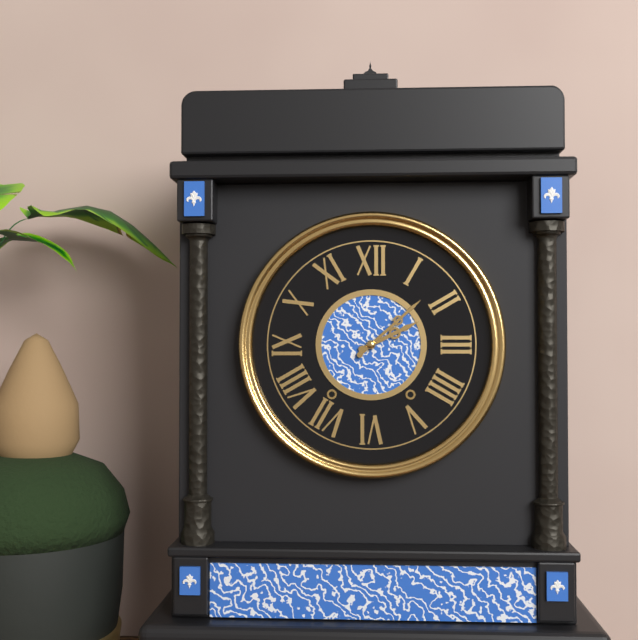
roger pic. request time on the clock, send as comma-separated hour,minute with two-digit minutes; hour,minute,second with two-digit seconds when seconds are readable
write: 2,08
